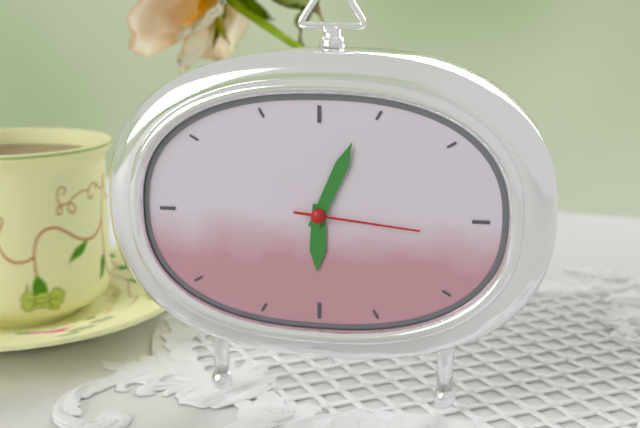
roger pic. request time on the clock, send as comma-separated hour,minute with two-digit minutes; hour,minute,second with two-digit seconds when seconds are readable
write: 6,04,16
